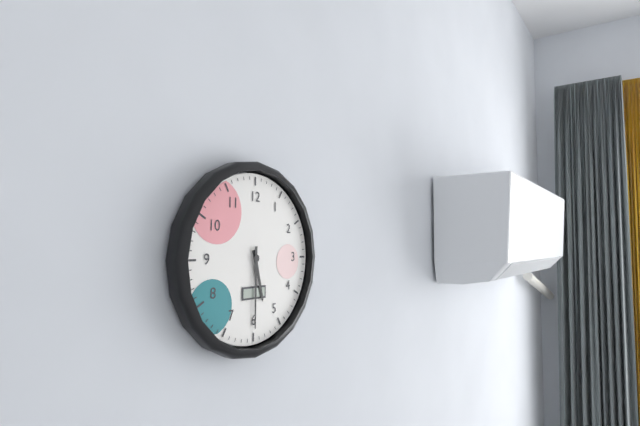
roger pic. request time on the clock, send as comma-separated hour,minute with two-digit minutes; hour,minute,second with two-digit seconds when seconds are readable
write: 5,30
